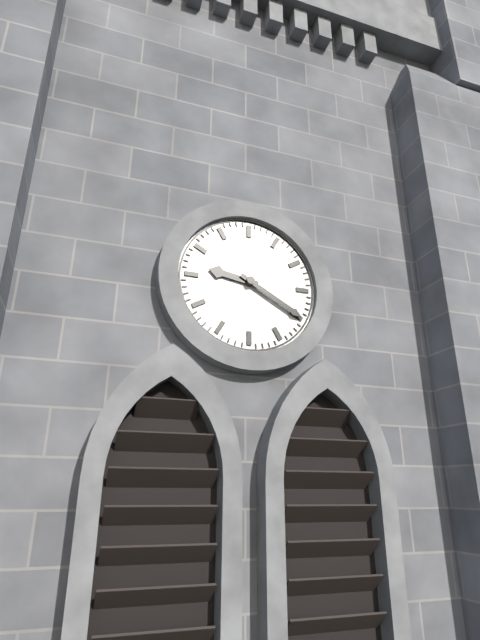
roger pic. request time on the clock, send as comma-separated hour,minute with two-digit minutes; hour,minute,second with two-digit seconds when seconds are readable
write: 9,20
